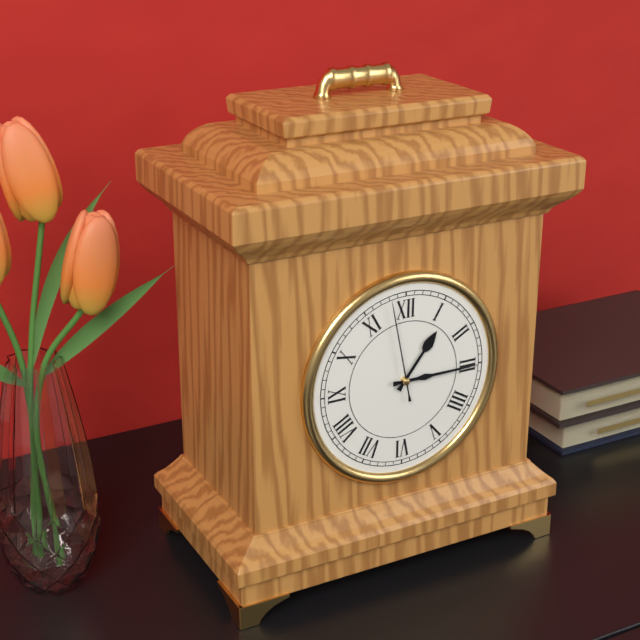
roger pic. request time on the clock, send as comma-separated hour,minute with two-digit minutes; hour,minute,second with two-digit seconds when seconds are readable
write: 1,15,58
